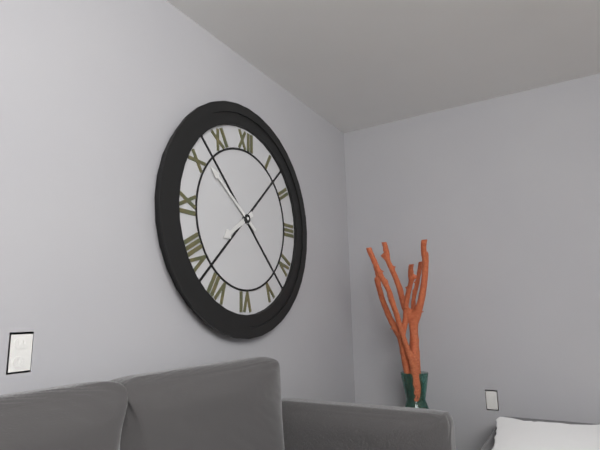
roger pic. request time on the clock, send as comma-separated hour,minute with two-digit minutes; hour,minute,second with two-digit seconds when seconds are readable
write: 7,51
